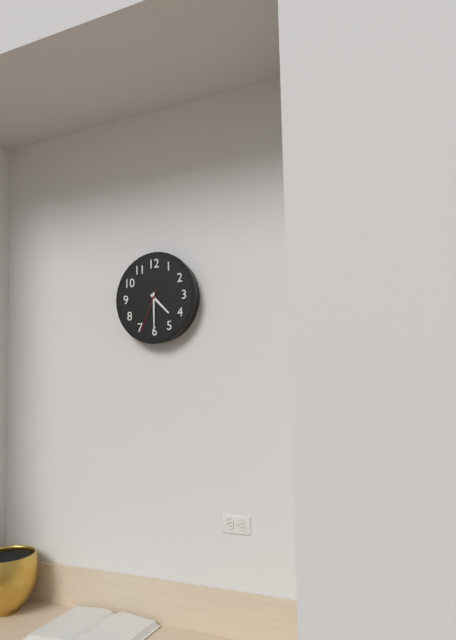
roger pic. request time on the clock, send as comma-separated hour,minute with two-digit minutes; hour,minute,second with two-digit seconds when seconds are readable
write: 4,30
